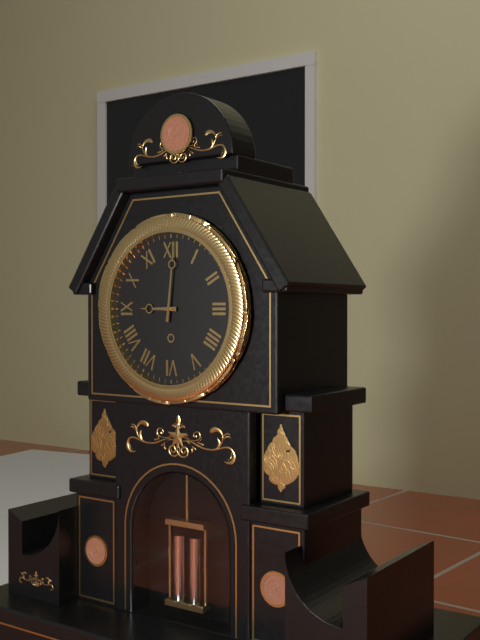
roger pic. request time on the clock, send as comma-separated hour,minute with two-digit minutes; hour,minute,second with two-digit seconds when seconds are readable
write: 9,01
